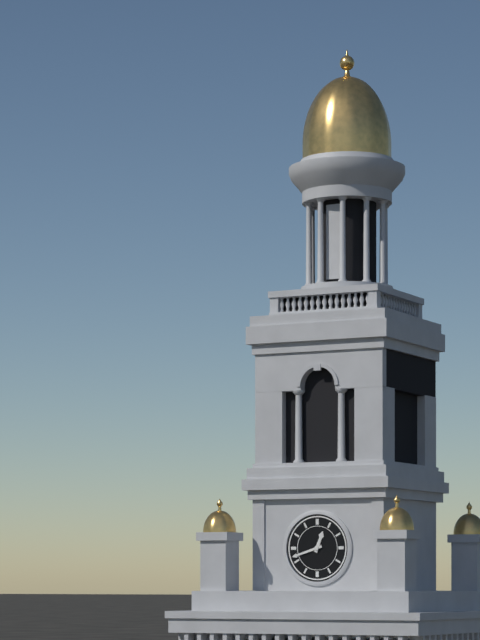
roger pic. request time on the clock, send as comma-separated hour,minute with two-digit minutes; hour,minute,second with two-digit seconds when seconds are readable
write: 12,42
